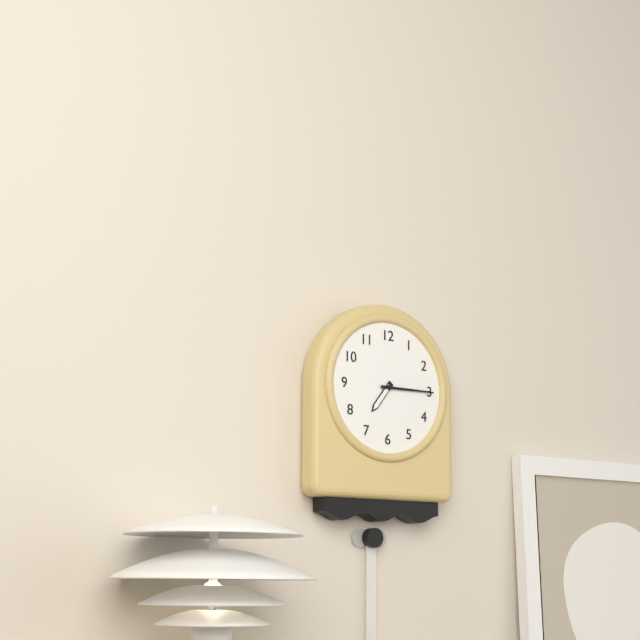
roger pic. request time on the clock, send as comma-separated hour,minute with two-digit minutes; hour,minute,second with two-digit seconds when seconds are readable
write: 7,15
